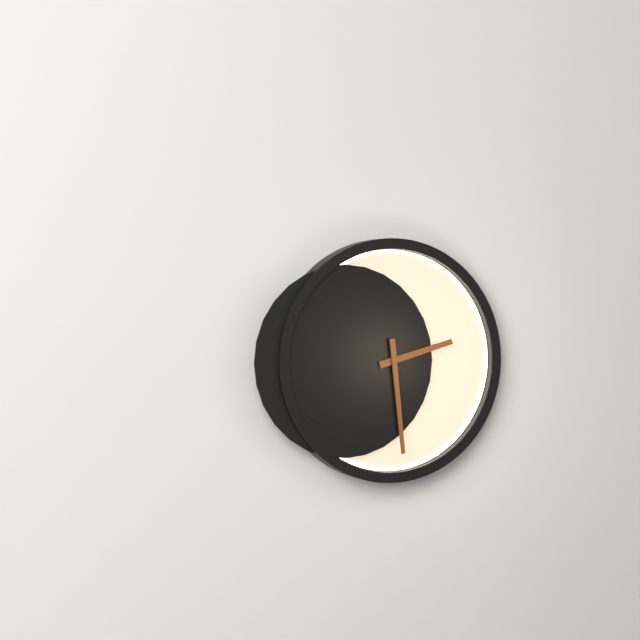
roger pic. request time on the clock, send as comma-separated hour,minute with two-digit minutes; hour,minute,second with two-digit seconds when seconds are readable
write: 2,29
